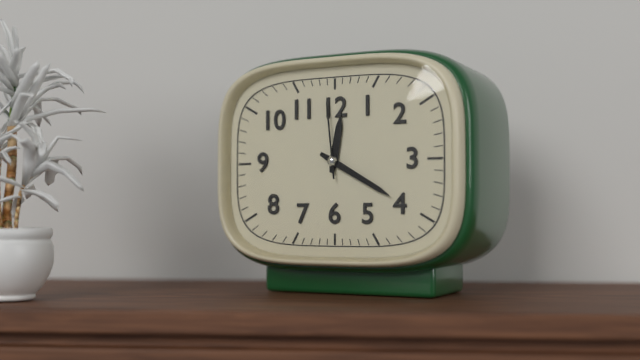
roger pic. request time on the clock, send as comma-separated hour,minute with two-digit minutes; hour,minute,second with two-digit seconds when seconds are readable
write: 12,20,59
